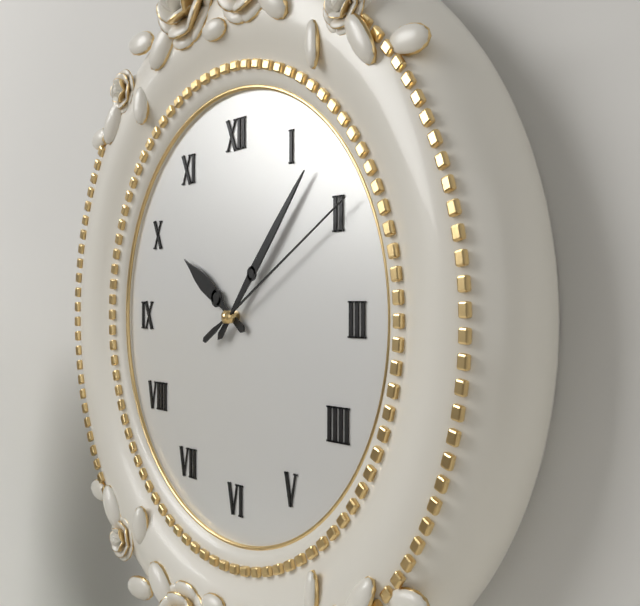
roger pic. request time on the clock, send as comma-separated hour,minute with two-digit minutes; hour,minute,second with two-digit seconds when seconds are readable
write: 10,07,10
